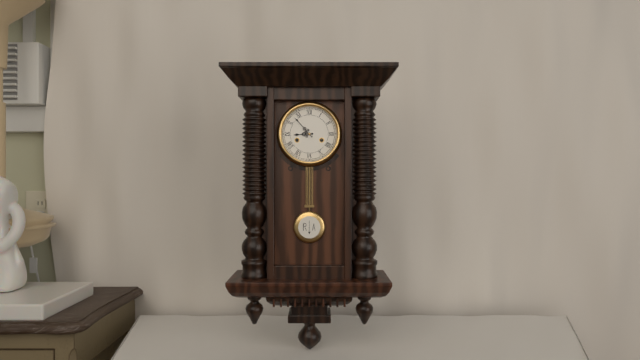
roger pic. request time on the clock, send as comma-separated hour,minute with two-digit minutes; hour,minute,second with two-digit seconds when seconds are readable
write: 8,53
